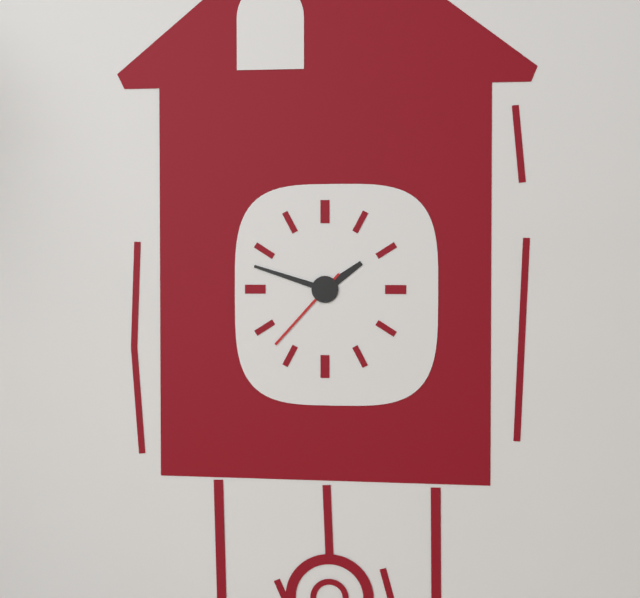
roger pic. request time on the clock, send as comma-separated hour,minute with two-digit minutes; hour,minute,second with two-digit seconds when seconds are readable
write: 1,48,37
